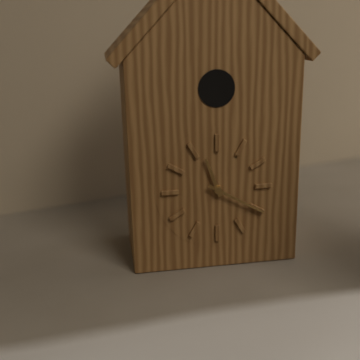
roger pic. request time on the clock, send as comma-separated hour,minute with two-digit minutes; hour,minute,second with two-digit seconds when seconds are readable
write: 11,20
